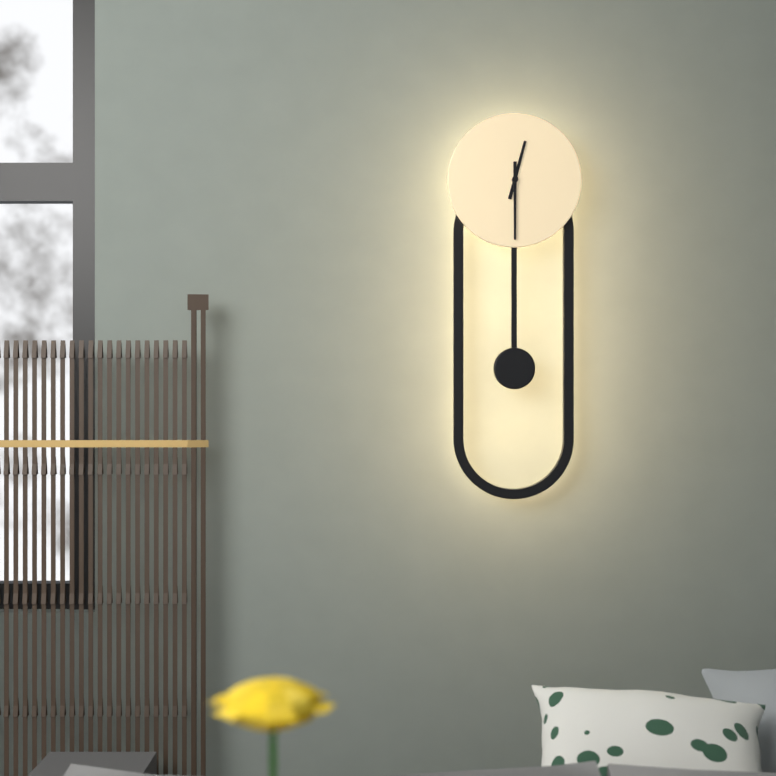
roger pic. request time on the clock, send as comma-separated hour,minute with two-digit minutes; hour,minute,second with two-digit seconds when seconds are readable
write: 12,30
